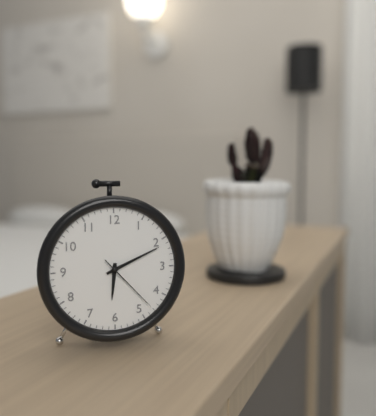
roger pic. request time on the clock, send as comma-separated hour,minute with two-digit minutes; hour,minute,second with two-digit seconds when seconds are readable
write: 6,11,23
